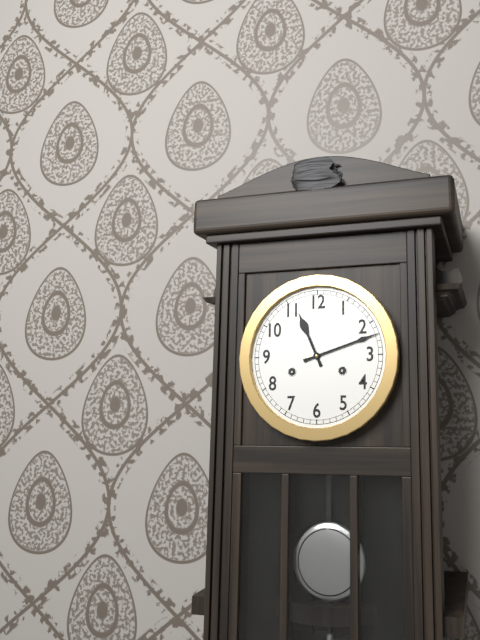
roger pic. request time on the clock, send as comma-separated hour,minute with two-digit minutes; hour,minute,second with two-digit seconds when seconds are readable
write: 11,12
